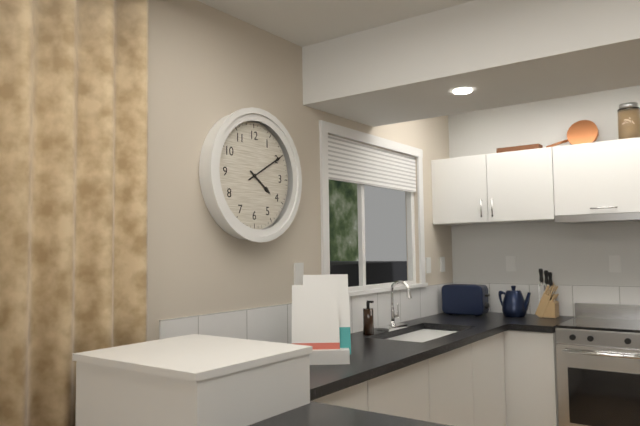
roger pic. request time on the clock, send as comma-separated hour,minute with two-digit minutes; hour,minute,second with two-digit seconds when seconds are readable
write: 4,10
